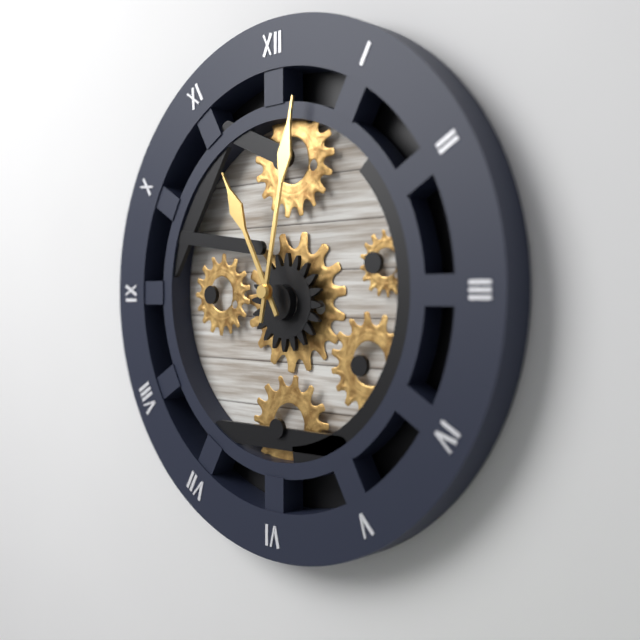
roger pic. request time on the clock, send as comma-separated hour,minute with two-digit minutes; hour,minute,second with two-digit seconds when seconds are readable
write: 11,02
